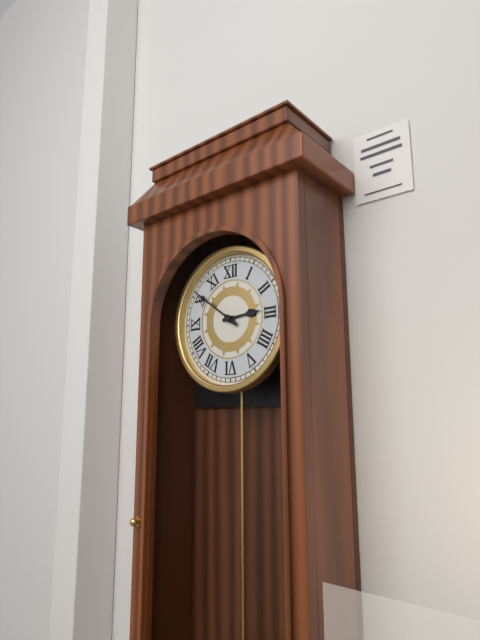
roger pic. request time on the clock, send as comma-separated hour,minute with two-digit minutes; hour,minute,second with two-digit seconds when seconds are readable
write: 2,51
